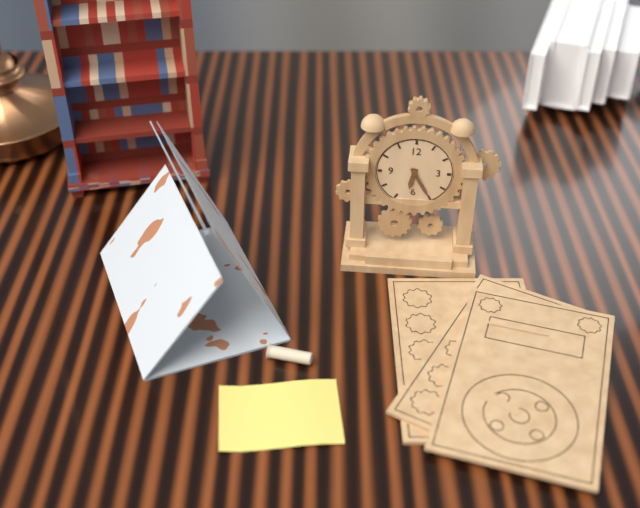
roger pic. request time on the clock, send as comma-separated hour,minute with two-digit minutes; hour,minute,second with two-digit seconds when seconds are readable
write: 6,25
